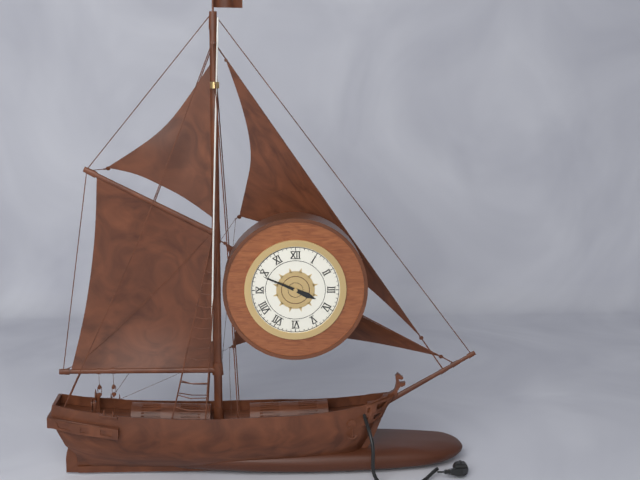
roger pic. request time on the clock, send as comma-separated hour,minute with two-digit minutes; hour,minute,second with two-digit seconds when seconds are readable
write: 3,49
